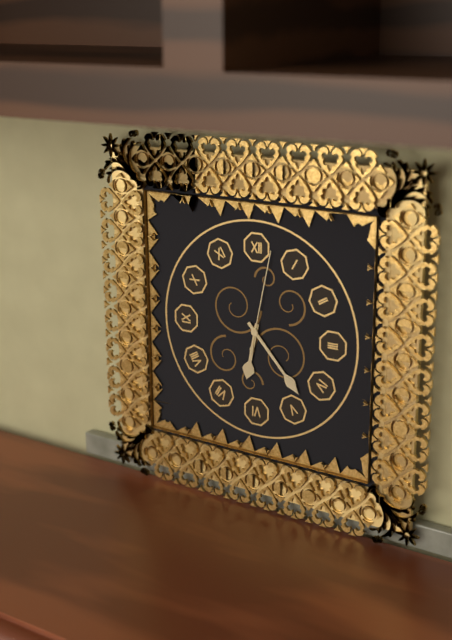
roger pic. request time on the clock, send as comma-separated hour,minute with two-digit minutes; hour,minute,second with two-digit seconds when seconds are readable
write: 6,23,02
